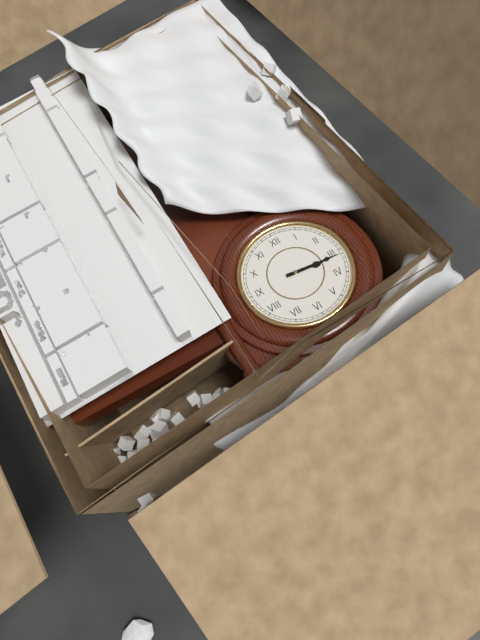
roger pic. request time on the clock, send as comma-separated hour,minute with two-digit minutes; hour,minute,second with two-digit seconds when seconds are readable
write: 3,16
